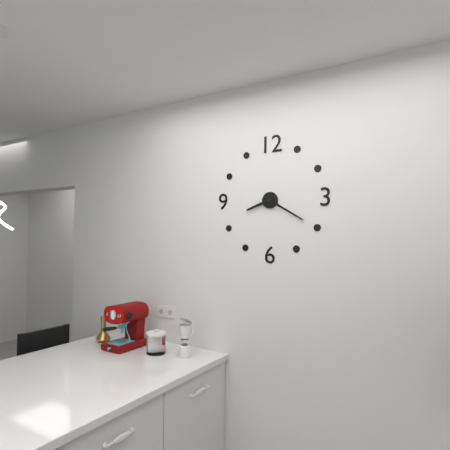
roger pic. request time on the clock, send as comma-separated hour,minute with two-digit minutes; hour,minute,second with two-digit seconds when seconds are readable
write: 8,20
